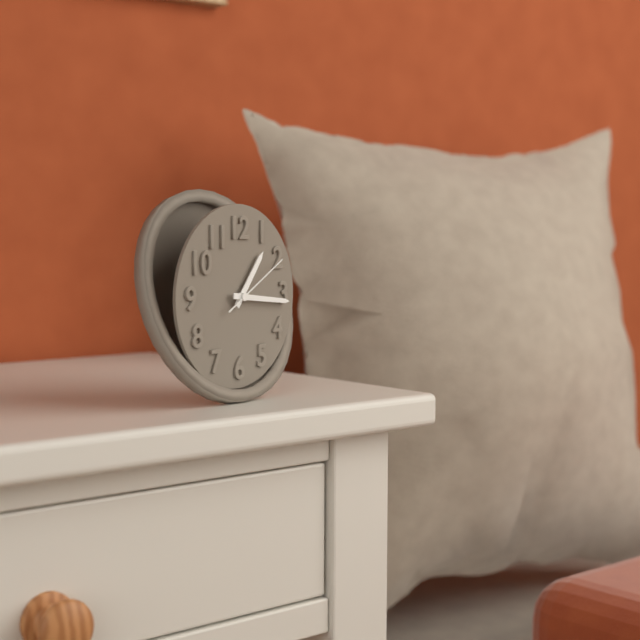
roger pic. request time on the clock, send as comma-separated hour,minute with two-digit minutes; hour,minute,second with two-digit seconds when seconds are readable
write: 1,16,10
